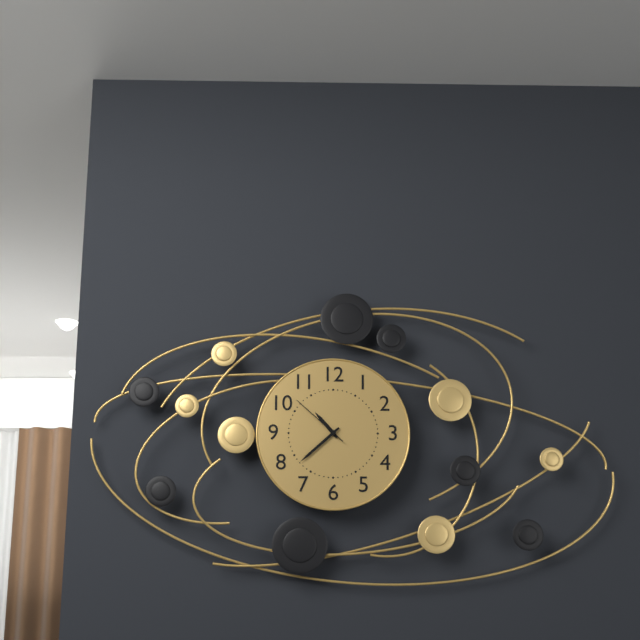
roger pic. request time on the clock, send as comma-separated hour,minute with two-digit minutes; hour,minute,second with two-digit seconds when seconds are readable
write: 10,38,52
